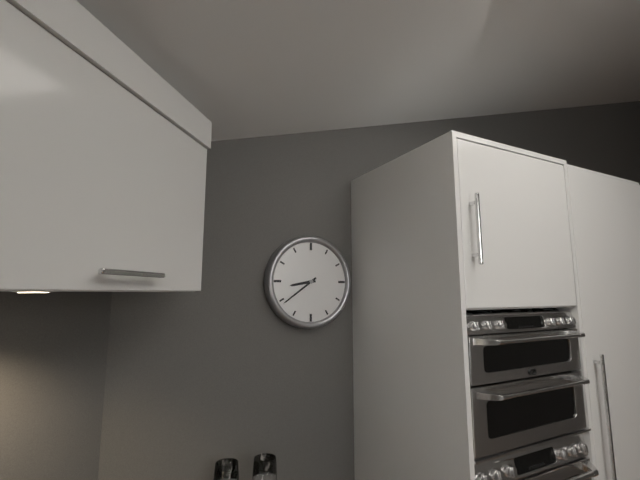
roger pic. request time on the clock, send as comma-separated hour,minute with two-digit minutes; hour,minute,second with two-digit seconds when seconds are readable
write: 8,39
